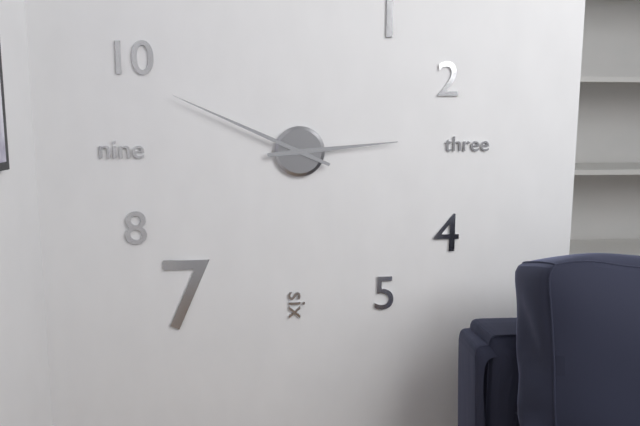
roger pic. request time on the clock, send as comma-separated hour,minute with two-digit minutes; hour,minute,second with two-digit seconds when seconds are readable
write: 2,49
